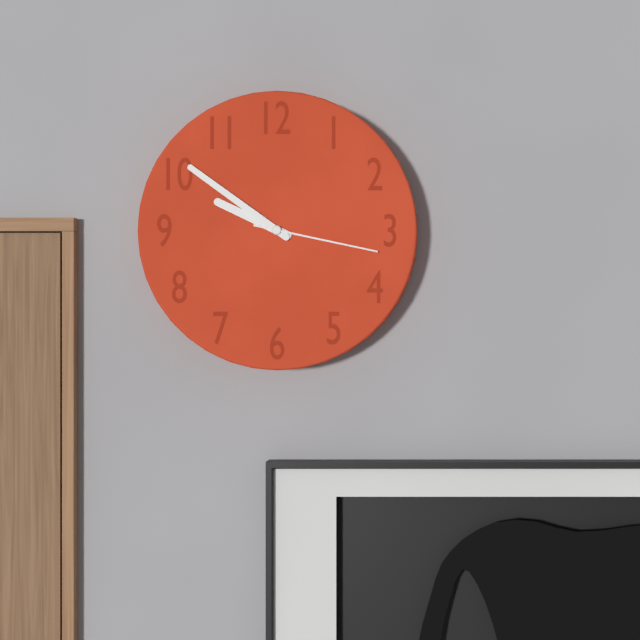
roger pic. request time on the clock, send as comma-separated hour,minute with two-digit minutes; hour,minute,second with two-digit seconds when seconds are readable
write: 9,51,17
